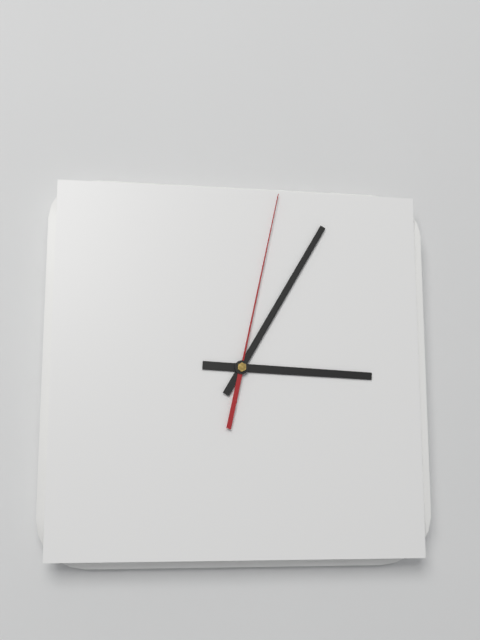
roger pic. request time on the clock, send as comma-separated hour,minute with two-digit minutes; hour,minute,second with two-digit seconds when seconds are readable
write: 3,05,02
